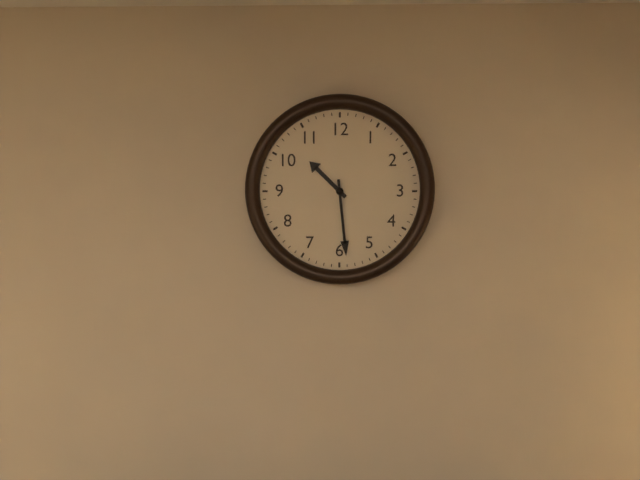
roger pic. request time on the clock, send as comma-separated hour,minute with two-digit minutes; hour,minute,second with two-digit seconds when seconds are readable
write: 10,29
